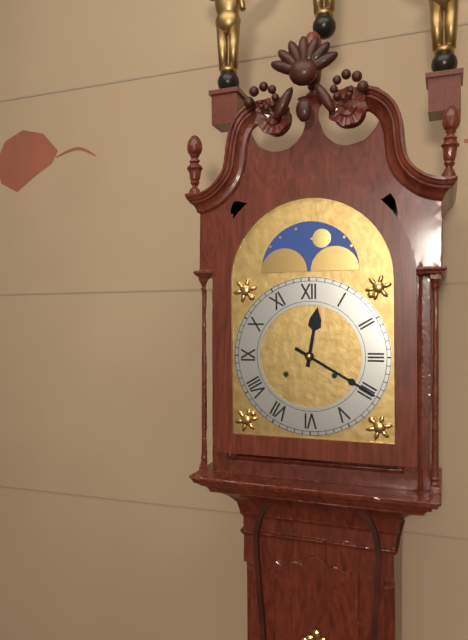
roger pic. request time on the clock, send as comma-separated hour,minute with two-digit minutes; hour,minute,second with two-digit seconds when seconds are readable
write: 12,20
